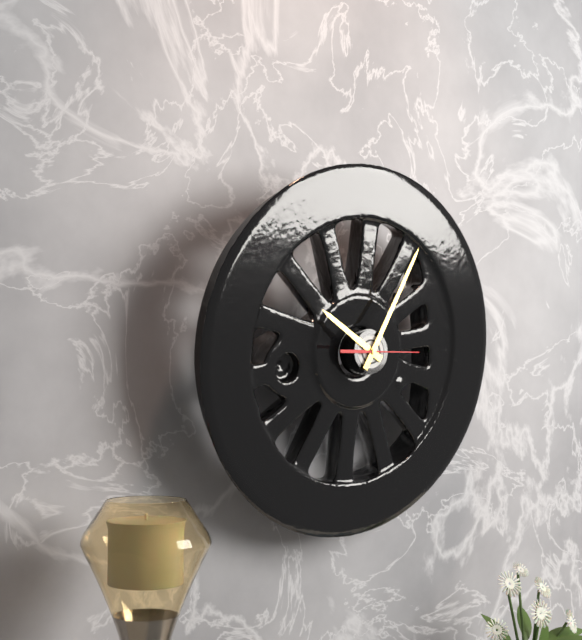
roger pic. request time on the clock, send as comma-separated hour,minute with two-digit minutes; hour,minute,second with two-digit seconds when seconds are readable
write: 10,05,15
